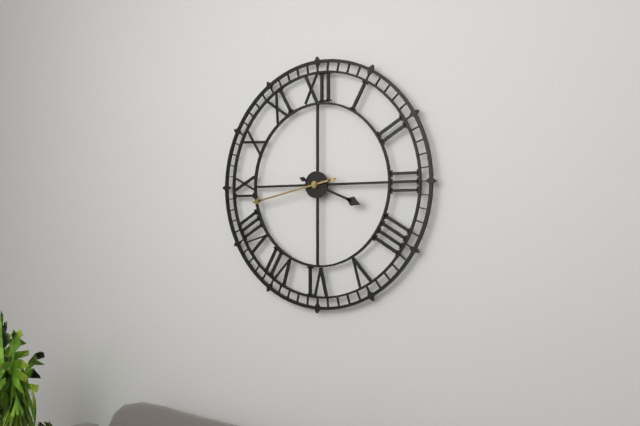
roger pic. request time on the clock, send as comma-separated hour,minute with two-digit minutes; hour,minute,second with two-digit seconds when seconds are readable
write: 3,43
